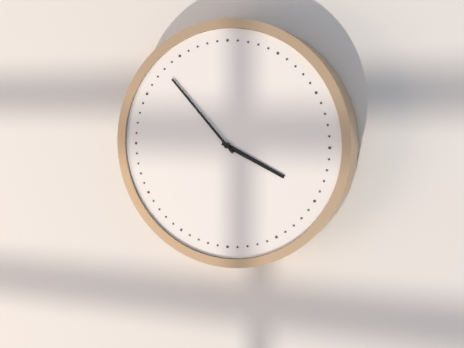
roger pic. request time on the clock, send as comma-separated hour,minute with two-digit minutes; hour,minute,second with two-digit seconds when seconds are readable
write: 3,53
